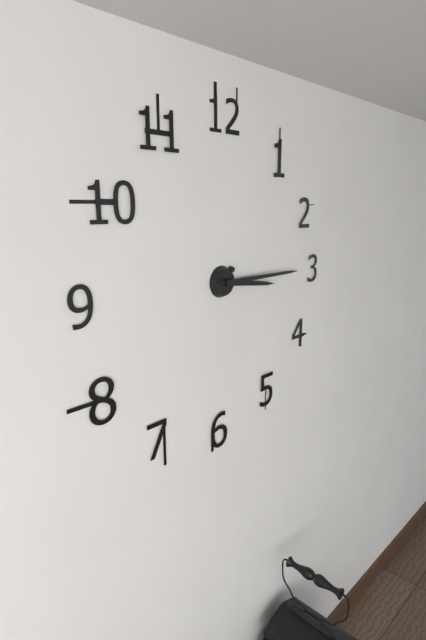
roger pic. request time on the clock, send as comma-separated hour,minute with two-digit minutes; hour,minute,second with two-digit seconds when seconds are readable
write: 3,15
